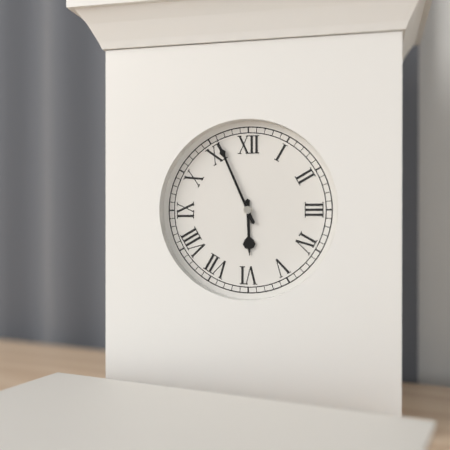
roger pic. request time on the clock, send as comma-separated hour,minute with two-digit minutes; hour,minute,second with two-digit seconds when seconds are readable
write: 5,56
